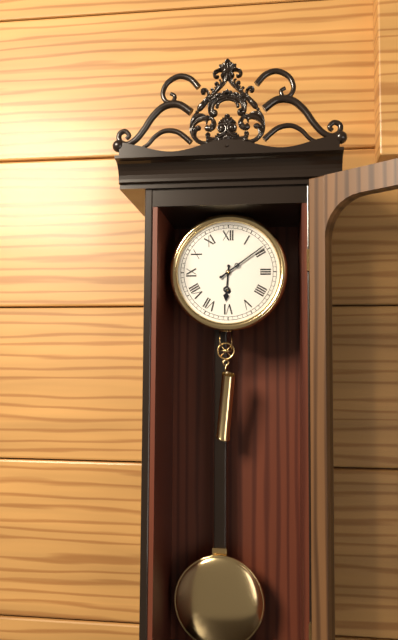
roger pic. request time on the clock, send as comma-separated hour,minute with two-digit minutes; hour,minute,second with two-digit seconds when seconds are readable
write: 6,09
